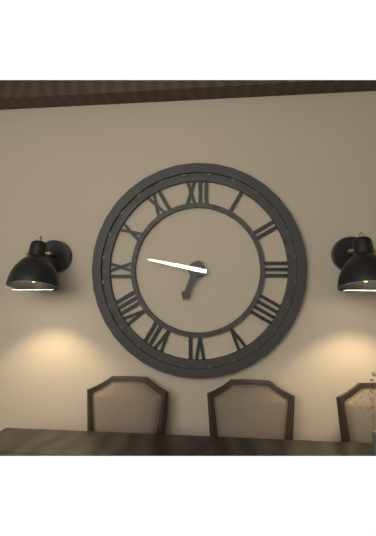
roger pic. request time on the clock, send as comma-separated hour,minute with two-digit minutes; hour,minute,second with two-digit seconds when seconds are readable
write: 6,47
